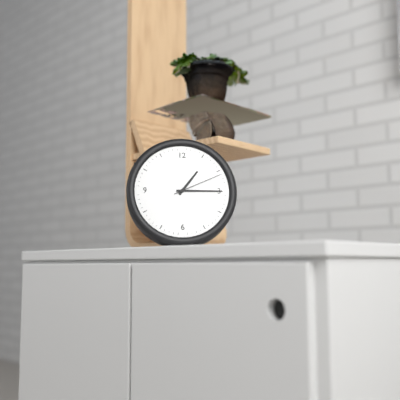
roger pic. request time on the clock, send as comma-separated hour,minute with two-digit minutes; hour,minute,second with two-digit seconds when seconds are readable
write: 1,15,11
